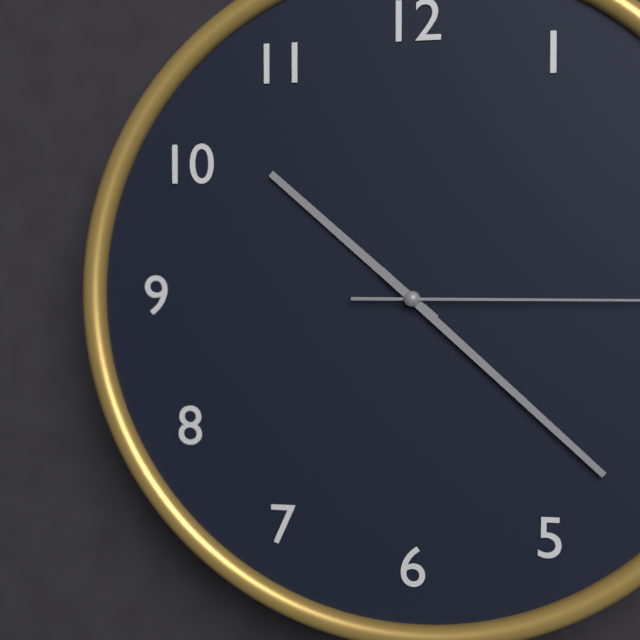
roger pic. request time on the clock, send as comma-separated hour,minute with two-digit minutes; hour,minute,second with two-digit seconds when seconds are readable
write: 10,22
